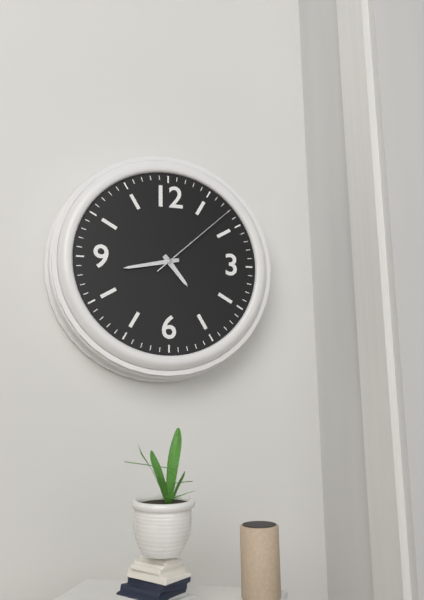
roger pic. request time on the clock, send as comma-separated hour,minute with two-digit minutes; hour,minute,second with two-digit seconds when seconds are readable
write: 4,43,08
